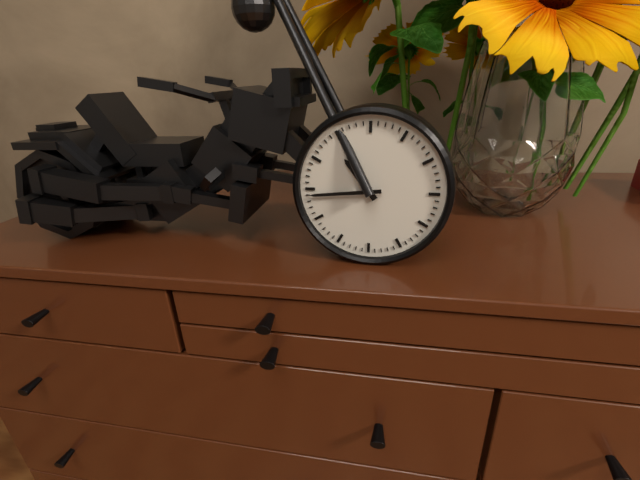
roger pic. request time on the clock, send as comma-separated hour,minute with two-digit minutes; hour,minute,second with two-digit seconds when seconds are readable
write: 10,44
